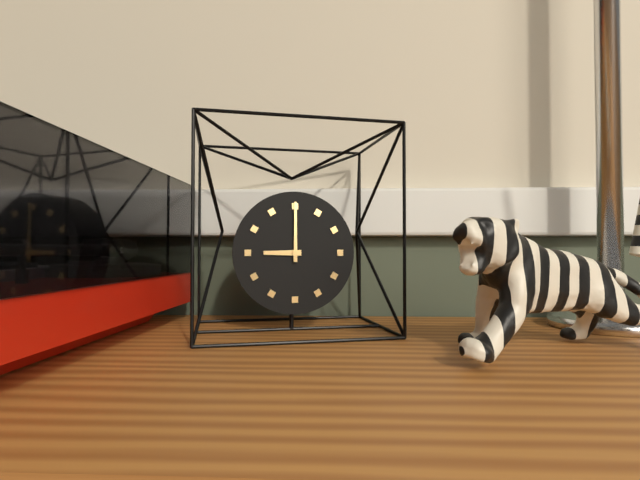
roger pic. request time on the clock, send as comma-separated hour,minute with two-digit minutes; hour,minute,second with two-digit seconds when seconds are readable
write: 9,00
